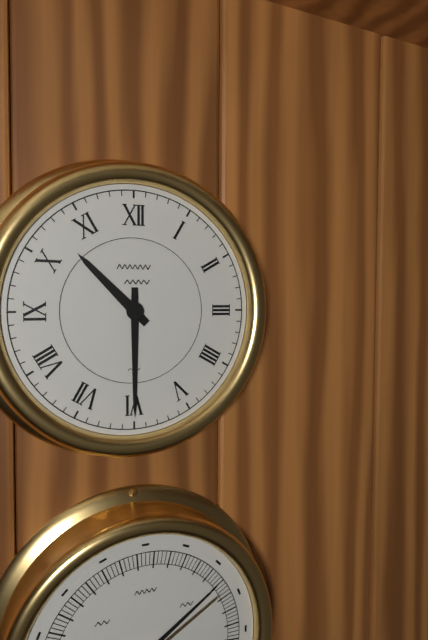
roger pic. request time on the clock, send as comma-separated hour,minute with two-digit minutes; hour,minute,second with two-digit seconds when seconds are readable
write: 10,30
